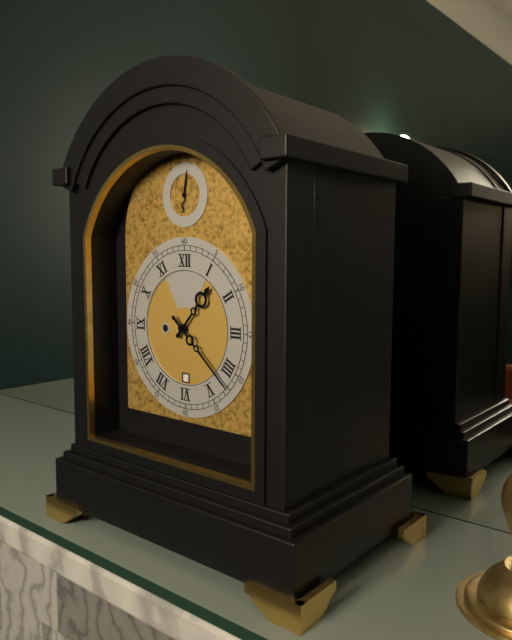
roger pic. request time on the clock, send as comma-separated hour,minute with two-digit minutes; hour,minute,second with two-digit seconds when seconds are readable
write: 1,22
